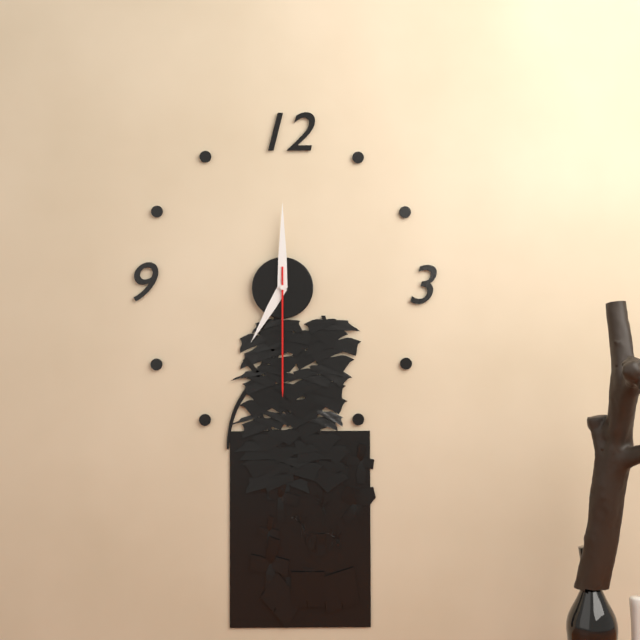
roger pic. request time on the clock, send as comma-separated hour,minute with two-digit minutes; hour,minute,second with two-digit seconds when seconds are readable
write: 7,00,30
